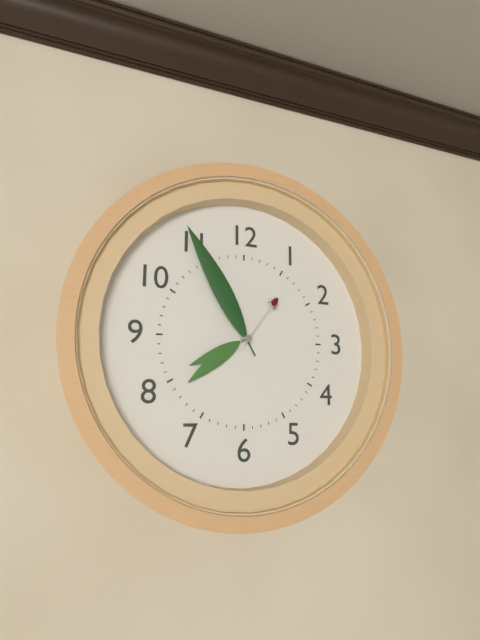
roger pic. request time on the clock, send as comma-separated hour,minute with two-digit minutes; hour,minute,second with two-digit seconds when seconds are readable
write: 7,55,06
